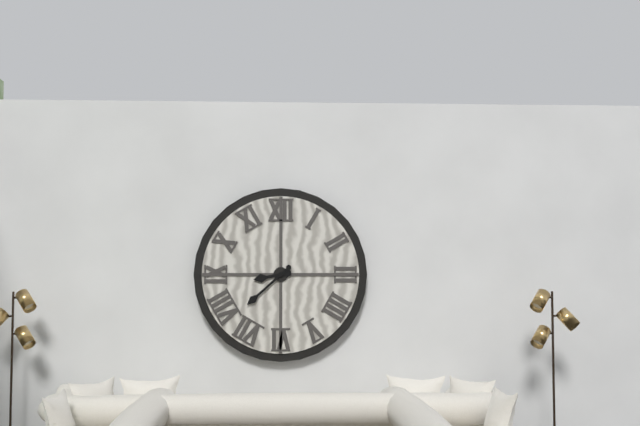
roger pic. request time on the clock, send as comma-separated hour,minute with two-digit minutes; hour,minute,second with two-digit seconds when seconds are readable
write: 8,38
